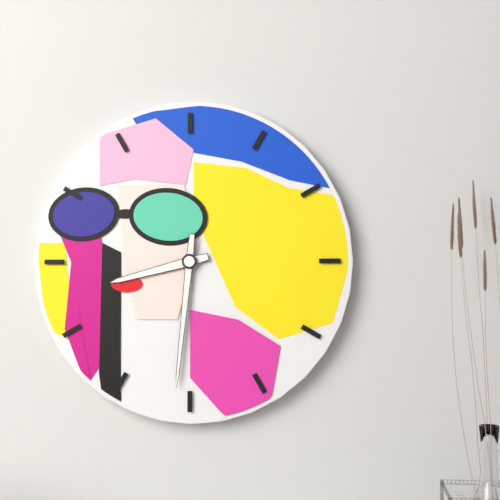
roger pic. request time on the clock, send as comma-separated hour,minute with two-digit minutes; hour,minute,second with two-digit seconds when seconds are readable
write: 8,31
